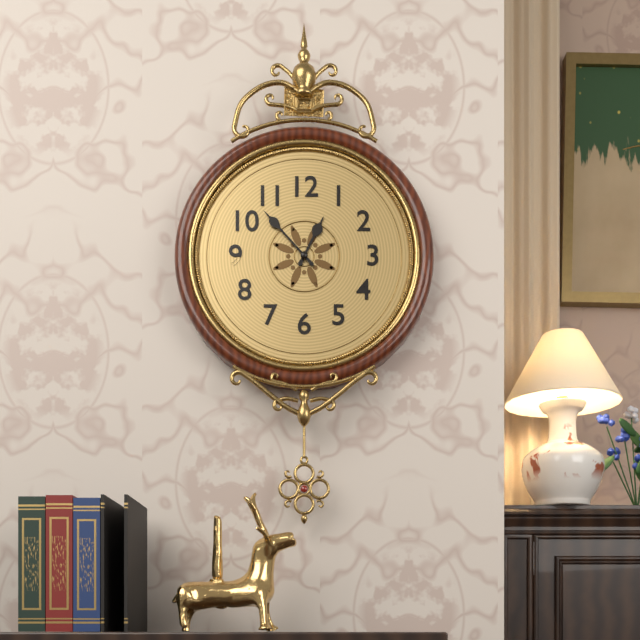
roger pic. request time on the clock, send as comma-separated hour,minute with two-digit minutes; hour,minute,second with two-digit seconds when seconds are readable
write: 12,53
